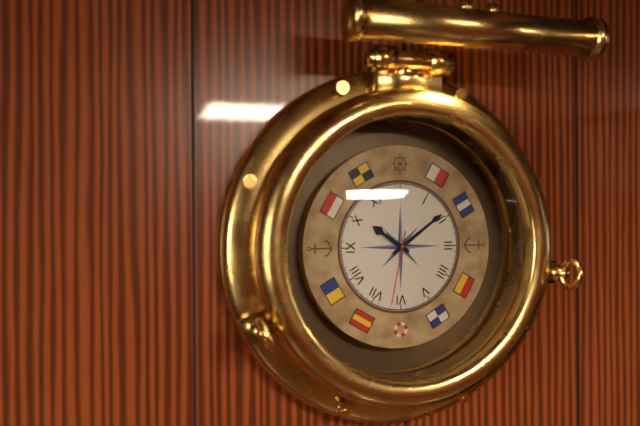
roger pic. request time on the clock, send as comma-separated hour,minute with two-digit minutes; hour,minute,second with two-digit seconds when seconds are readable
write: 10,09,32
